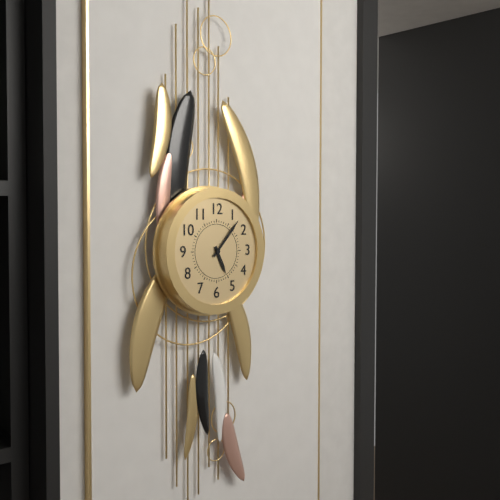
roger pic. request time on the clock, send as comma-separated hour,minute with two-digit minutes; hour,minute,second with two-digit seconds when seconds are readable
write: 5,07
